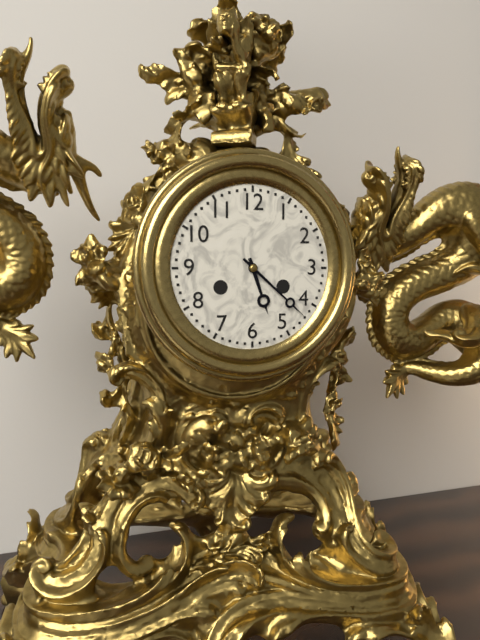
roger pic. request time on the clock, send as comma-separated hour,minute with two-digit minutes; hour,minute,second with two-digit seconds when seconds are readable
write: 5,22
